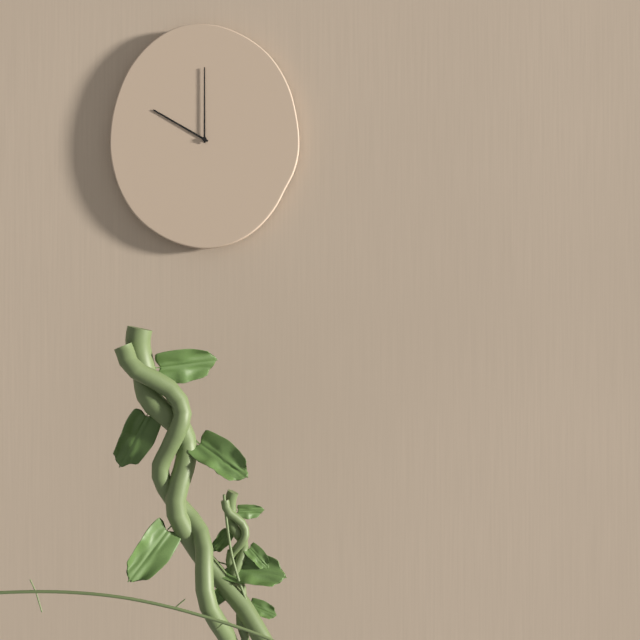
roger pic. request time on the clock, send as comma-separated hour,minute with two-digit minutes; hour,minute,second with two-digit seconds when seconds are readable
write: 10,00
